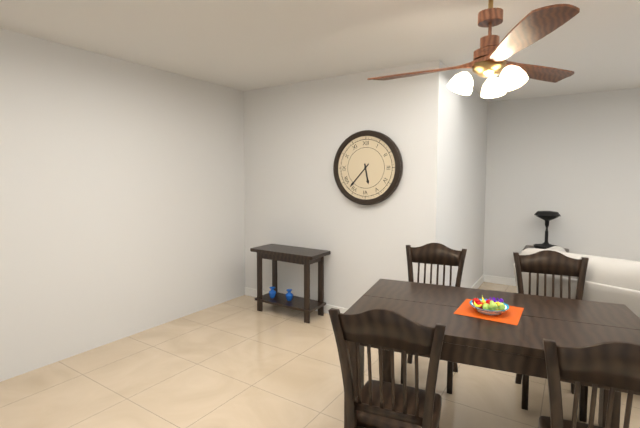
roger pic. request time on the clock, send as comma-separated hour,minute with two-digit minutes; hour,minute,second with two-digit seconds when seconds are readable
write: 5,37
